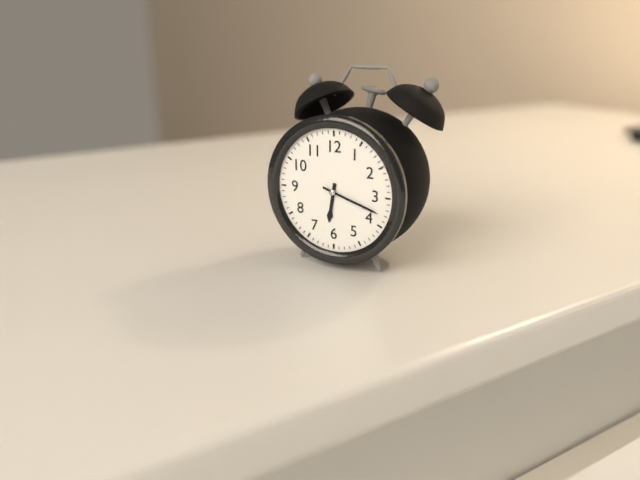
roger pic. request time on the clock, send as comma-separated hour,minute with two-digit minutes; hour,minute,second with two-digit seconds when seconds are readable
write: 6,18
